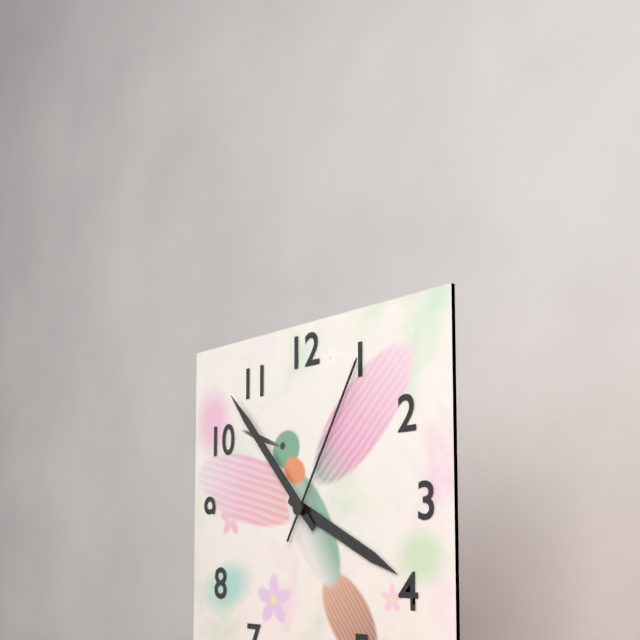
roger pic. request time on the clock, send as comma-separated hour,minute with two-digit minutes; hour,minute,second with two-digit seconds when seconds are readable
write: 3,53,05
